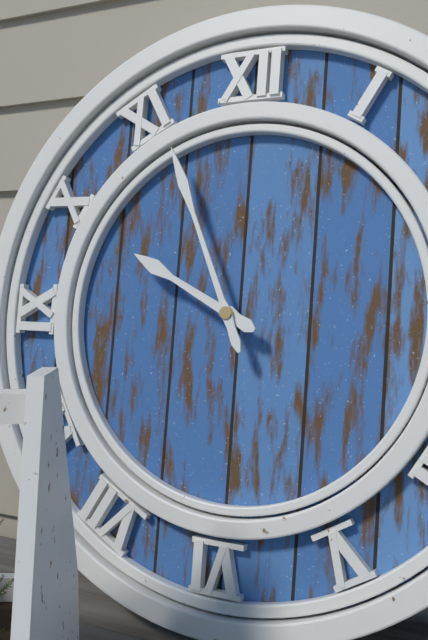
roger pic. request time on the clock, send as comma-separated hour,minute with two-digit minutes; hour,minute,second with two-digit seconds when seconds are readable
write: 9,56
